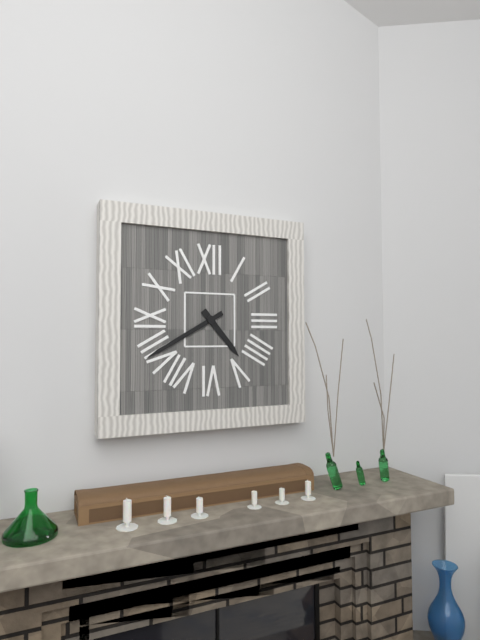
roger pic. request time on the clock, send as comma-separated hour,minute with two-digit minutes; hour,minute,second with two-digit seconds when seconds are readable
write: 4,40
